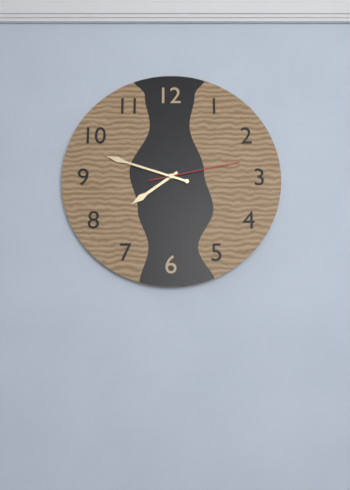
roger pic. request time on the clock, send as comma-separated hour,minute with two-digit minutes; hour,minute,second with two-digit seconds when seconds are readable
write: 7,48,13
